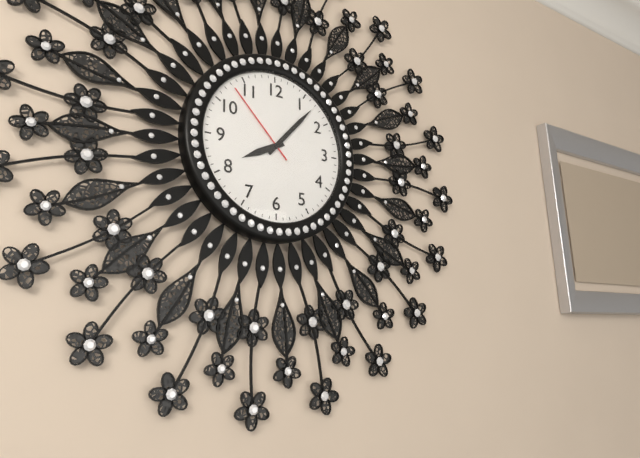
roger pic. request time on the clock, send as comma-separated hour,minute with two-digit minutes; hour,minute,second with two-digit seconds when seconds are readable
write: 8,07,53
